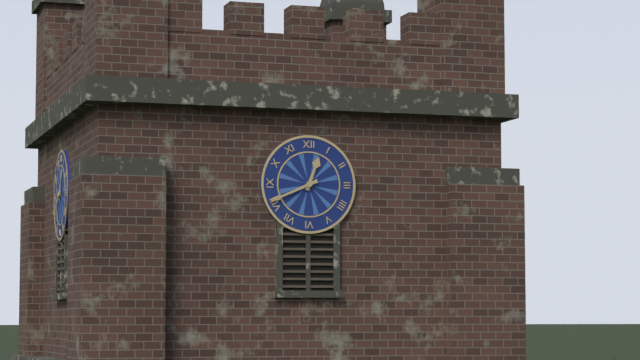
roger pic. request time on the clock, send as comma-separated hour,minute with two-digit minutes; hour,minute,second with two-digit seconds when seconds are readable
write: 12,41
